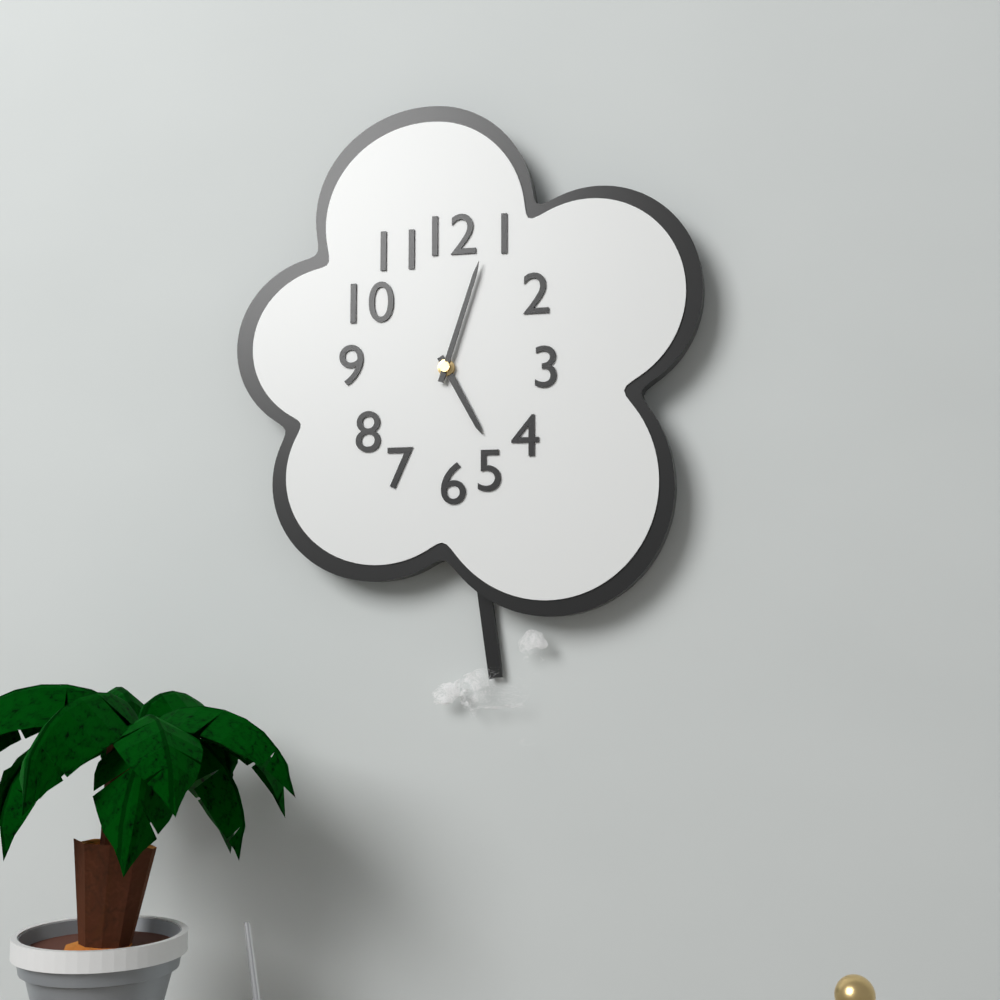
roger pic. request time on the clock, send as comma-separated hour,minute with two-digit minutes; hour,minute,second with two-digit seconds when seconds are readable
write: 5,03
